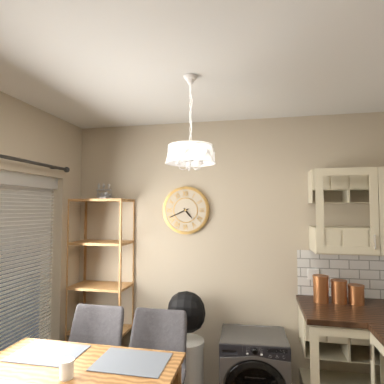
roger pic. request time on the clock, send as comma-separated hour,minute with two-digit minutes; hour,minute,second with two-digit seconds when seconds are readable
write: 4,41
